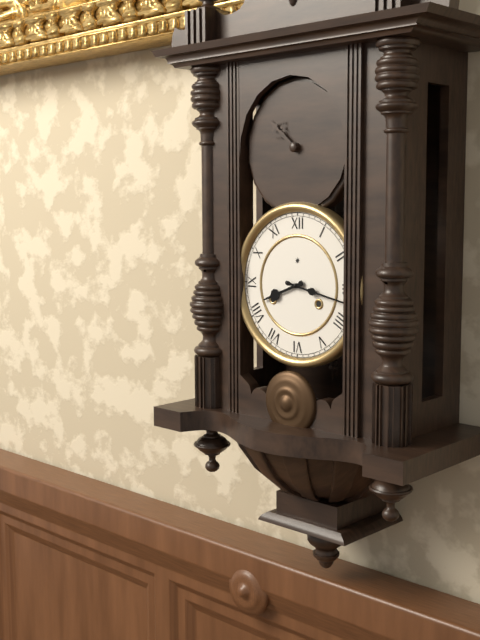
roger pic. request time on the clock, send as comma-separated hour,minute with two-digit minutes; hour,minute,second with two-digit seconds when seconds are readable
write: 8,17
